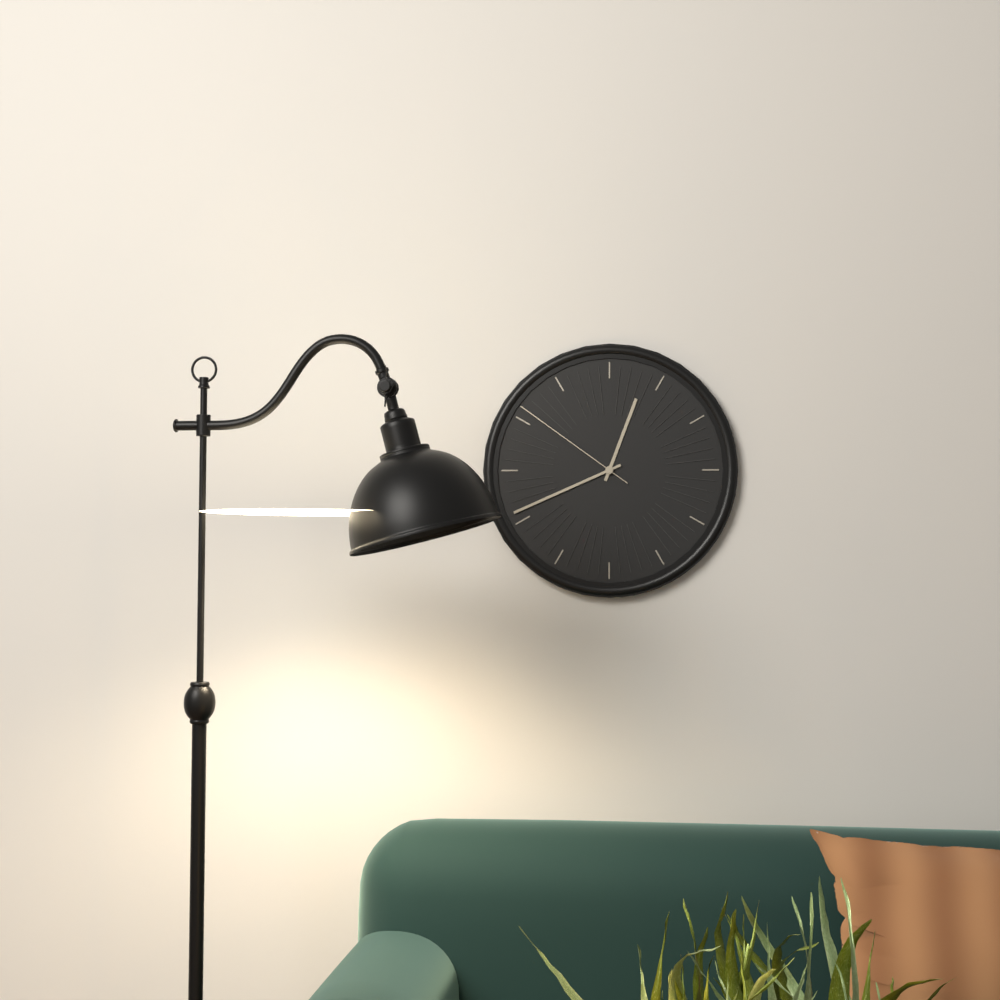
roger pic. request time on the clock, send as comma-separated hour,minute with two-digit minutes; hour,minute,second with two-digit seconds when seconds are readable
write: 12,41,51
